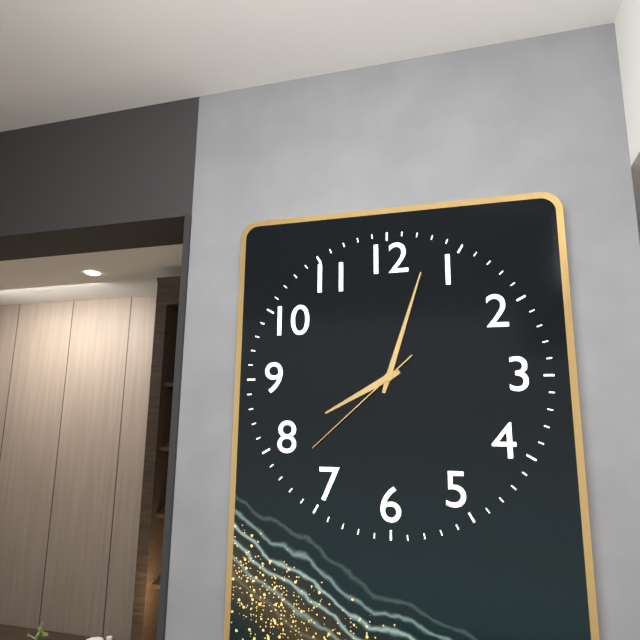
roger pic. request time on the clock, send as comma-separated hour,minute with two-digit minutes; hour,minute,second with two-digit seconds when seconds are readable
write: 8,03,38
